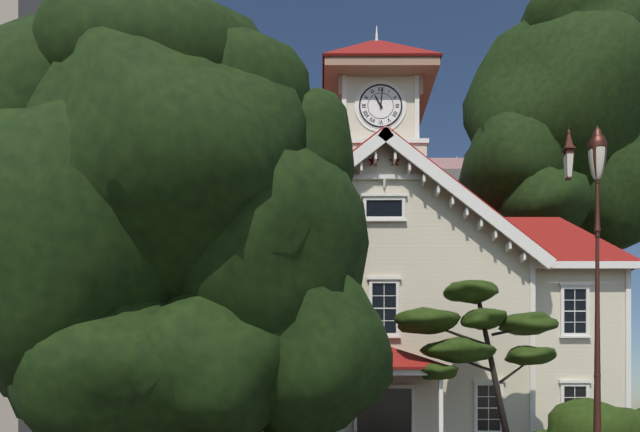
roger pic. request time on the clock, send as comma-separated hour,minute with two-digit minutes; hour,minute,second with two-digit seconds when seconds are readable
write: 11,01
